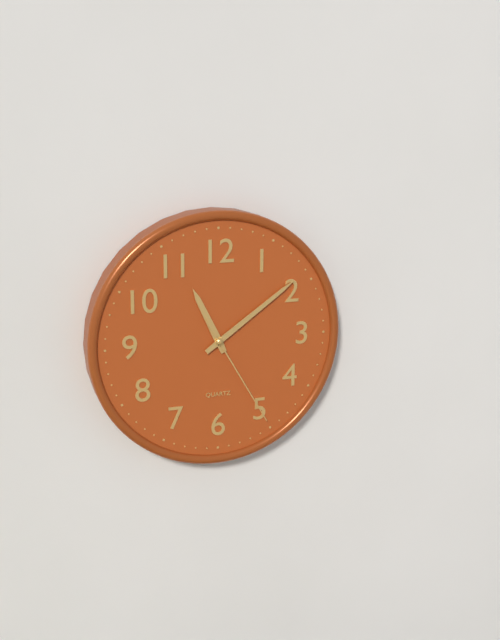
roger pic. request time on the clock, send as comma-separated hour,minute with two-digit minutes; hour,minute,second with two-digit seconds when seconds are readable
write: 11,09,25
